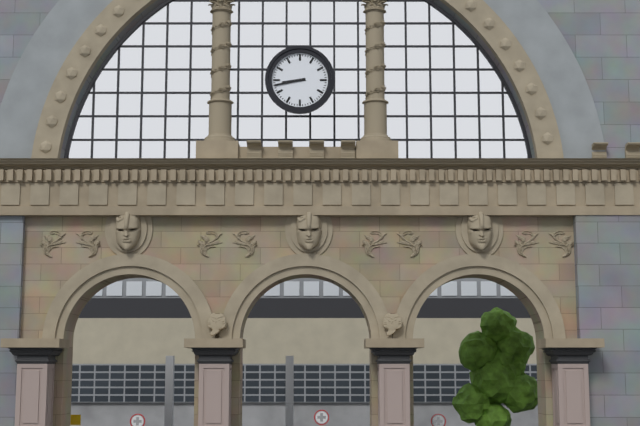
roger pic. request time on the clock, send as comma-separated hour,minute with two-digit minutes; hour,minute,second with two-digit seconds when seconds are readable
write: 8,43
